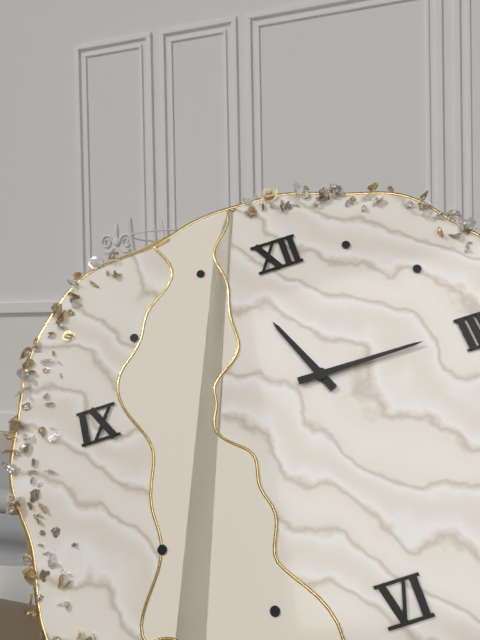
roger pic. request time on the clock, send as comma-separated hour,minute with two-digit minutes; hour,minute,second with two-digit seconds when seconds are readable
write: 11,15
